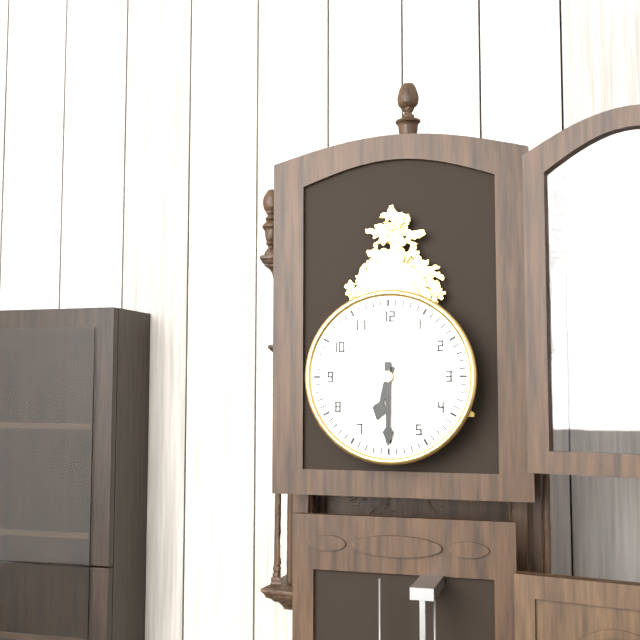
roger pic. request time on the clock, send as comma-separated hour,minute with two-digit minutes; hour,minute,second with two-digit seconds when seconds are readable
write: 6,30
